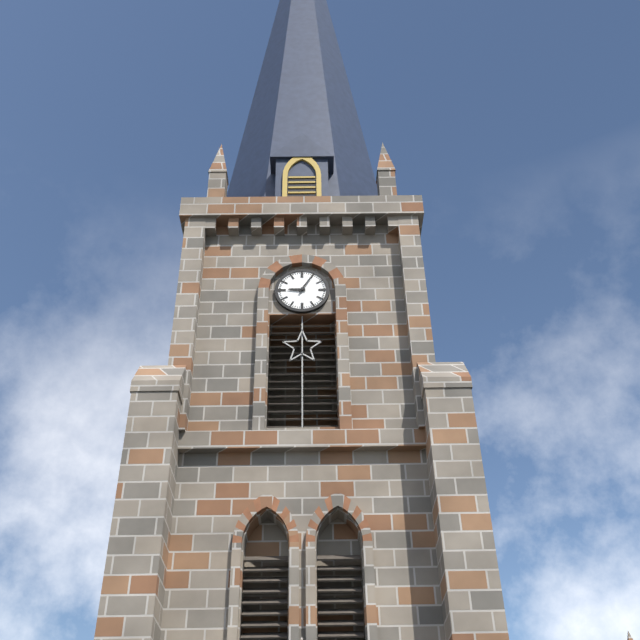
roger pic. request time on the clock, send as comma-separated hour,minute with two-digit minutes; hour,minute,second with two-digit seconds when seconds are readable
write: 9,05
